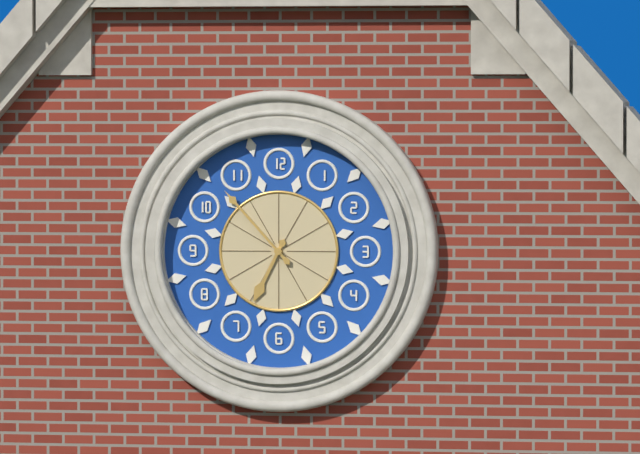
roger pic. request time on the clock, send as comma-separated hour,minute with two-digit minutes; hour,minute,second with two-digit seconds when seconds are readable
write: 6,53
